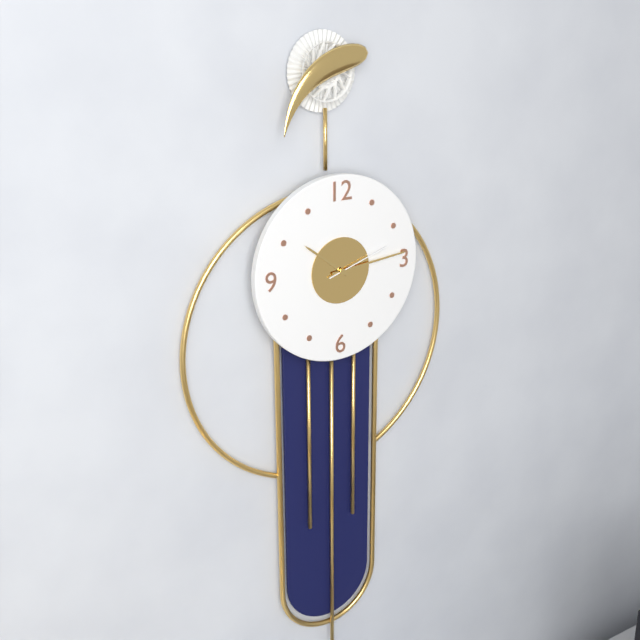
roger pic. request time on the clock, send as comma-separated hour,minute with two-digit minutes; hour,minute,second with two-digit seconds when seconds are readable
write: 10,14,12
